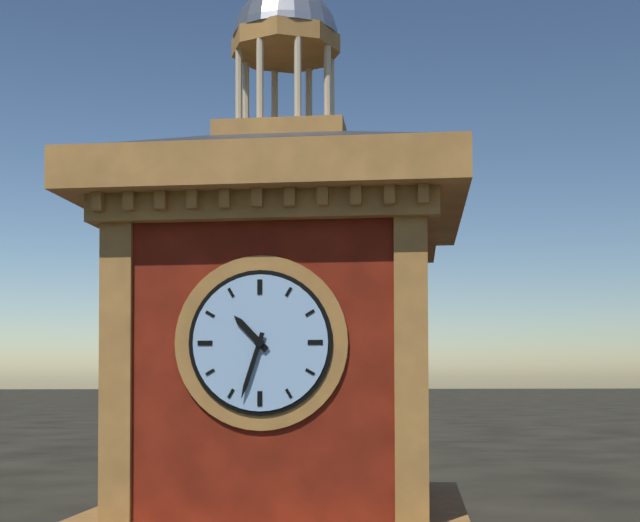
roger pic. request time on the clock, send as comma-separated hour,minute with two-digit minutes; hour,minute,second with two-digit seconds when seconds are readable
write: 10,33
